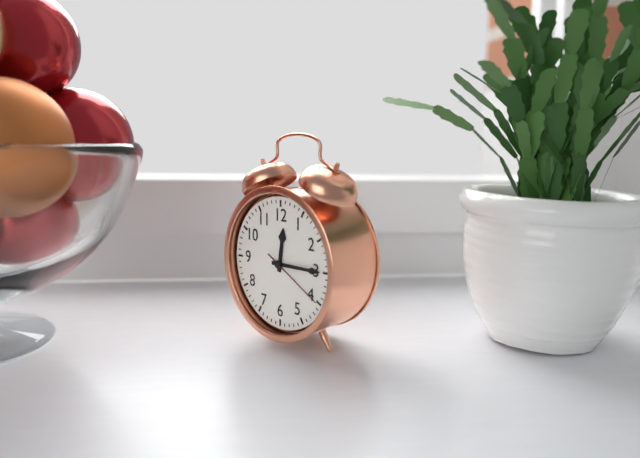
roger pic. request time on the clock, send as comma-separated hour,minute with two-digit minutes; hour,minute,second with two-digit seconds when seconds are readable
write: 12,15,20
